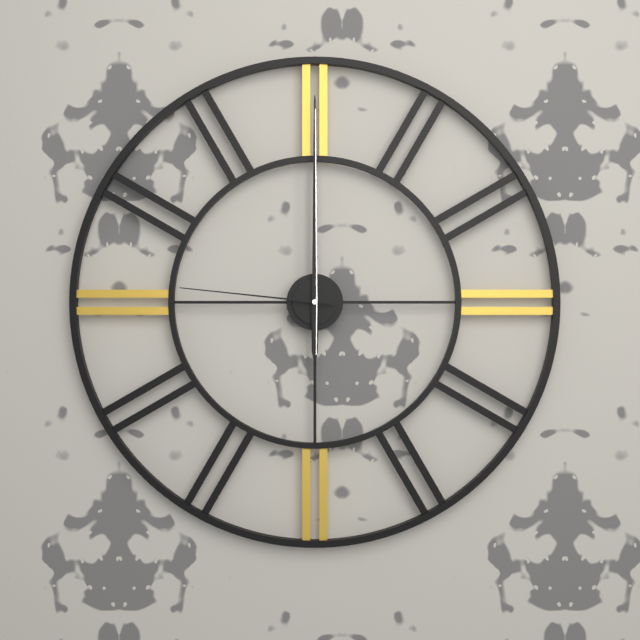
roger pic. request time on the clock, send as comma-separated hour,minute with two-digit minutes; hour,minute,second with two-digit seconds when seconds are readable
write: 6,00,46
